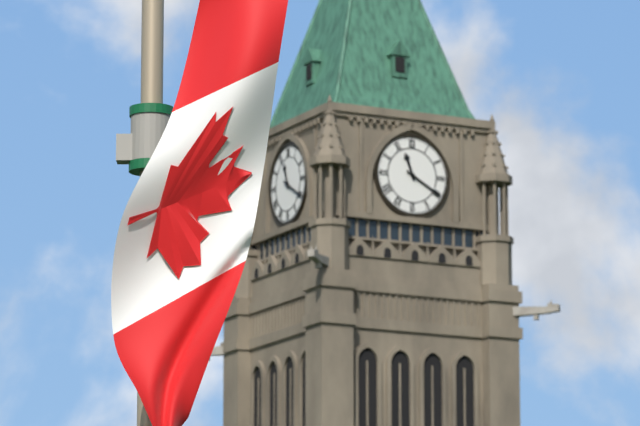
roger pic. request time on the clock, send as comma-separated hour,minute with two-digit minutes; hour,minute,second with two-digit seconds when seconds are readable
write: 11,20
